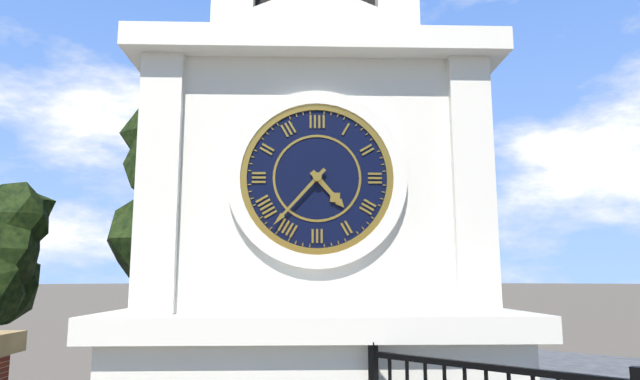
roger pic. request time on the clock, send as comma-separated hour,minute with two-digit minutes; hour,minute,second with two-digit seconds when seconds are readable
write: 4,37
